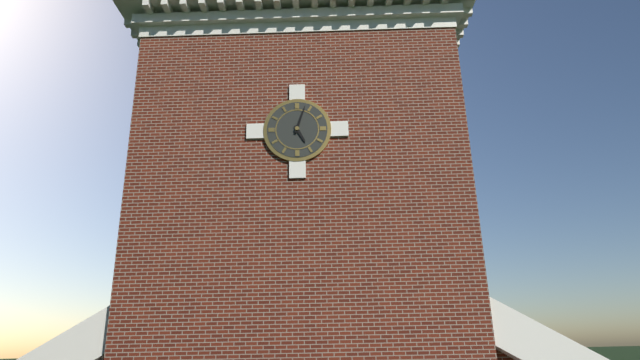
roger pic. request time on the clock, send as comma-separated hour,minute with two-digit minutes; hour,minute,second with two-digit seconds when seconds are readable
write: 5,03
